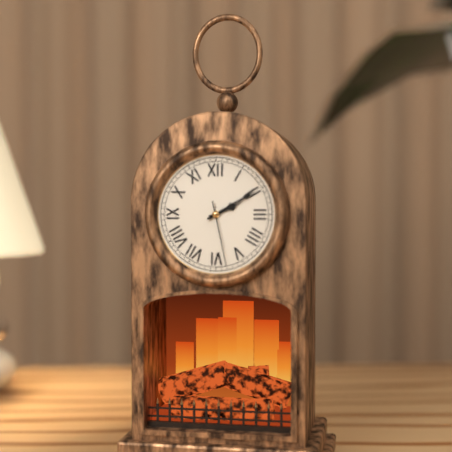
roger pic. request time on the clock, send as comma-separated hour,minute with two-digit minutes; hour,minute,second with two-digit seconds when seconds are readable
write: 2,10,28
